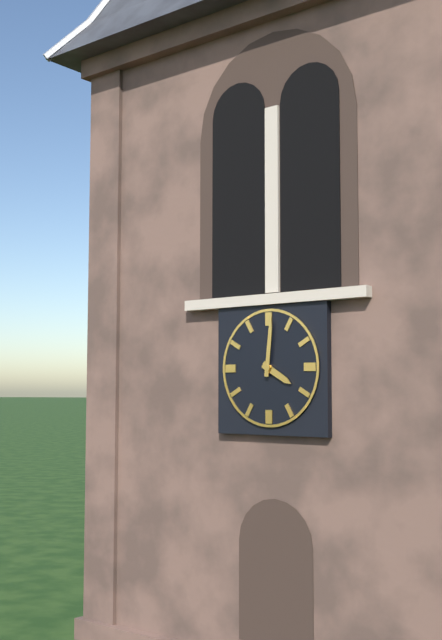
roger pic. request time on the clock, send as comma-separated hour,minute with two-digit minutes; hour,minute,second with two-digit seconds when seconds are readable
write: 4,01
